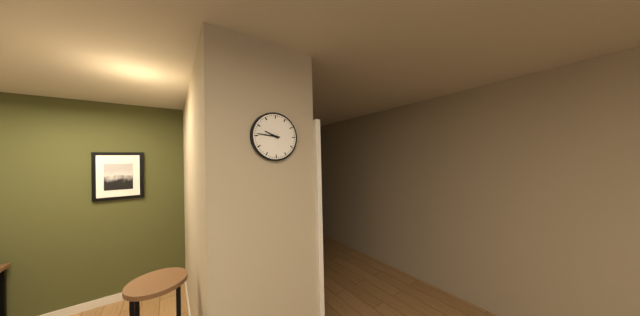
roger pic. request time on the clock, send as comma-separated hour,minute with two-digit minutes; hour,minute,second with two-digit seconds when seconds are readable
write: 9,46
